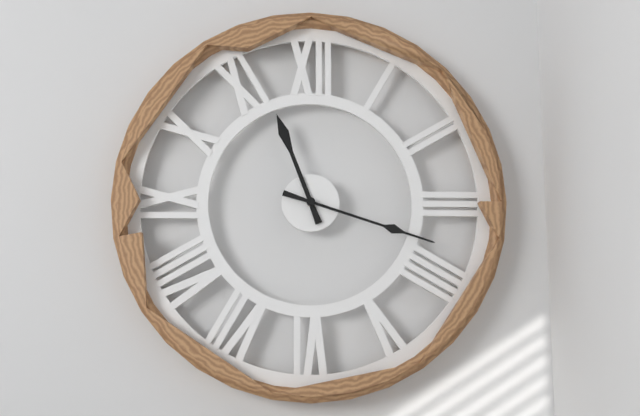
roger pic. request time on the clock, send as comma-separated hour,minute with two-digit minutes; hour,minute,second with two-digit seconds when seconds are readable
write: 11,18
